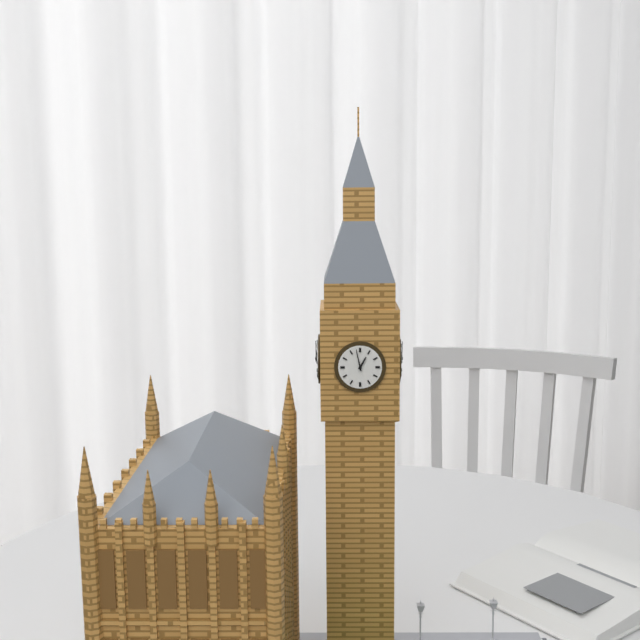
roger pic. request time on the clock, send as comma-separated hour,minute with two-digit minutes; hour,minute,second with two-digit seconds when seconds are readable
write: 12,58
